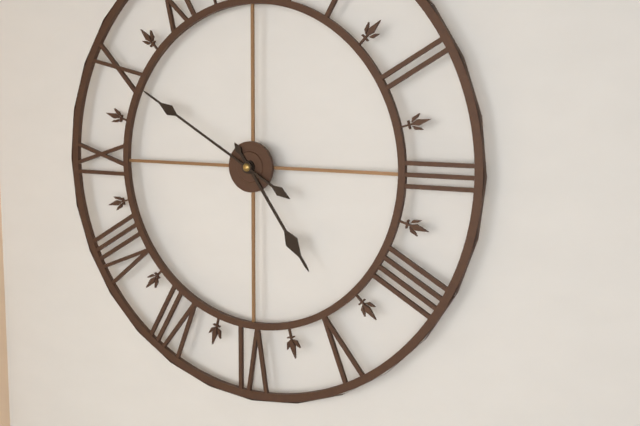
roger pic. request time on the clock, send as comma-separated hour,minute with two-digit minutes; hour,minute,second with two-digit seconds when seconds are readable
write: 4,50
